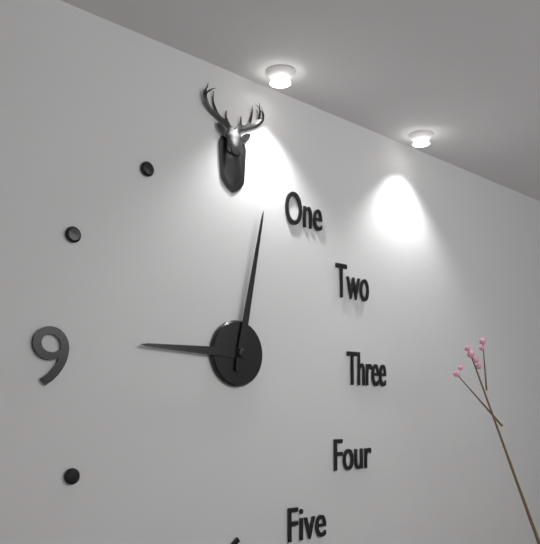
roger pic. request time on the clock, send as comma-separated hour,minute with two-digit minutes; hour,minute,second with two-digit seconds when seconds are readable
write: 9,02
